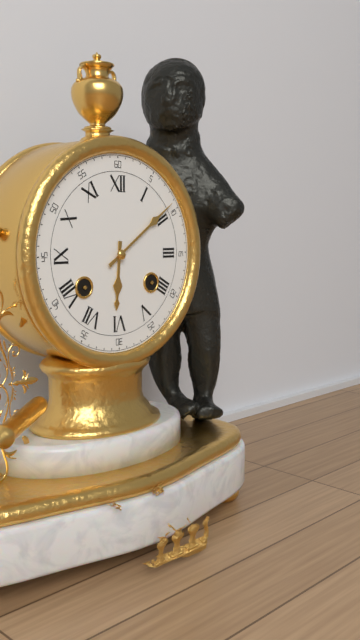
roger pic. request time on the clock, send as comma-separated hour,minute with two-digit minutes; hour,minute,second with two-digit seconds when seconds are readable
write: 6,09
